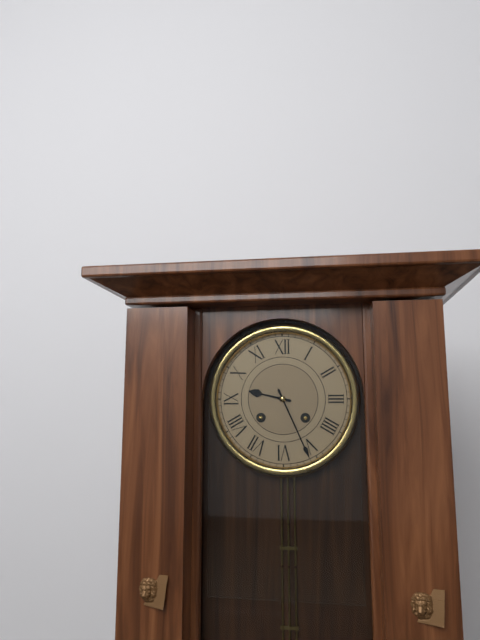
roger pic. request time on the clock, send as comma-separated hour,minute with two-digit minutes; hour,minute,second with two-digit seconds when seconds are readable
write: 9,26
